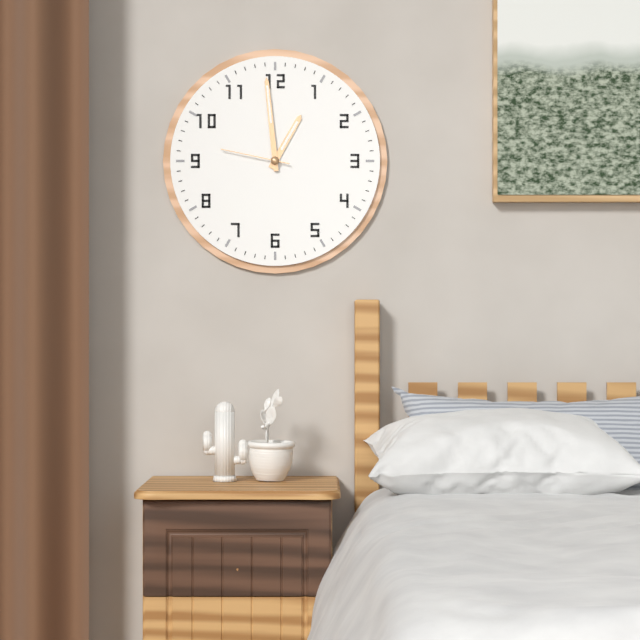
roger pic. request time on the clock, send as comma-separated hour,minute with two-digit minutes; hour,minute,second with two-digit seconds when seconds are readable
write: 12,59,47
